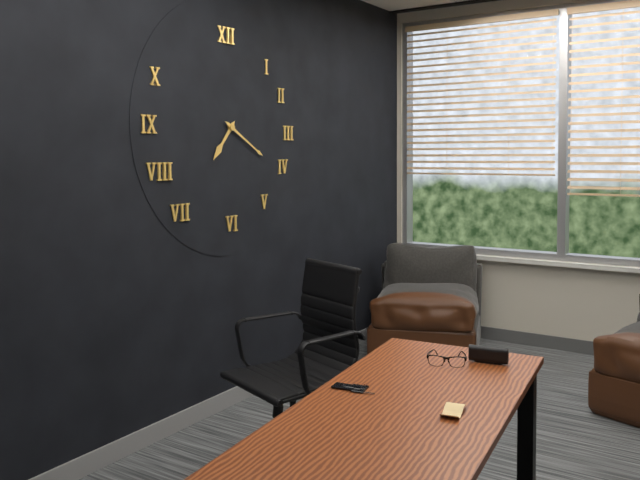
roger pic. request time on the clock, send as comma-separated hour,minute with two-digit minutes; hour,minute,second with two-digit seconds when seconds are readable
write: 7,20
